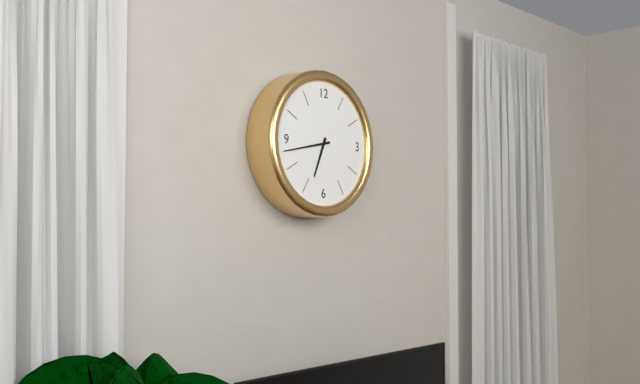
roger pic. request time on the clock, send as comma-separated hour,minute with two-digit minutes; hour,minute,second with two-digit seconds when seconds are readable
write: 6,43
